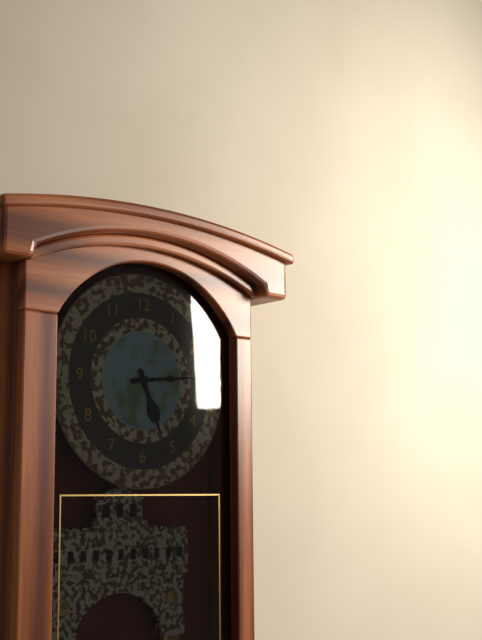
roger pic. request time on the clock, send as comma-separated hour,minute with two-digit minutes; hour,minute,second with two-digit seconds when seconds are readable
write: 5,14
